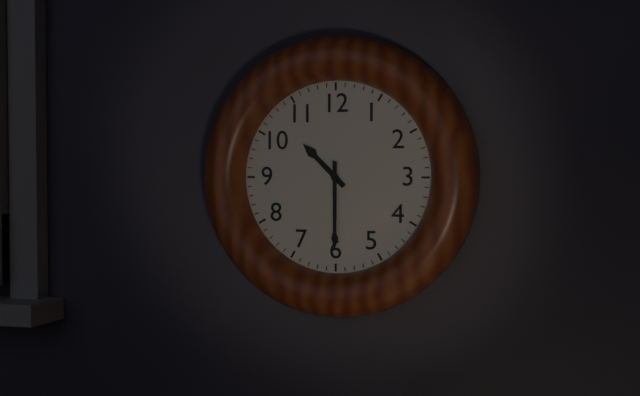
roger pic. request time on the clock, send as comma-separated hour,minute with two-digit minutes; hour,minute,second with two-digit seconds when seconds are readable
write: 10,30
